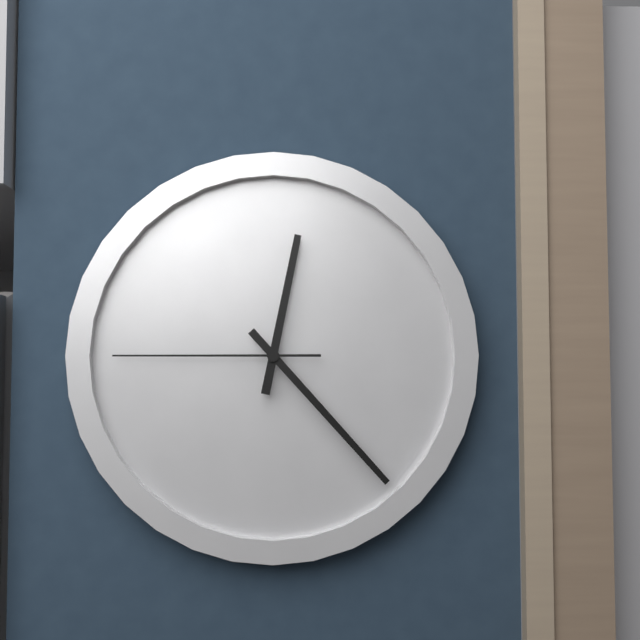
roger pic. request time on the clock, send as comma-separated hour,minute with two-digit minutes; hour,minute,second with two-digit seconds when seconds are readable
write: 12,23,45
